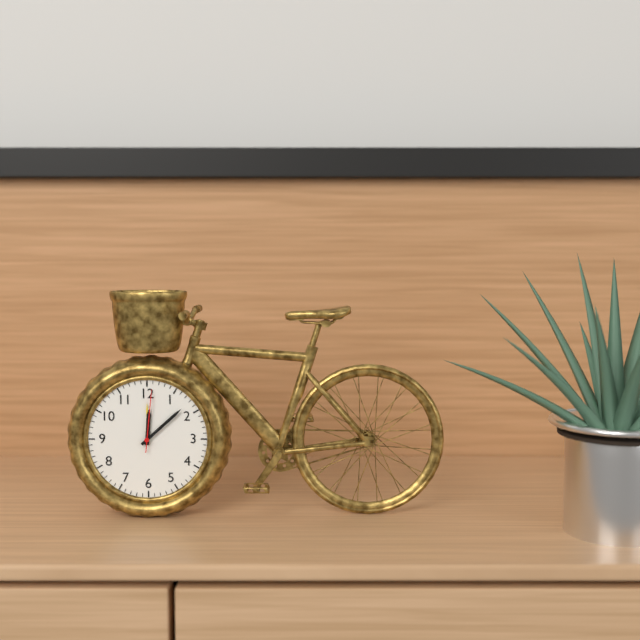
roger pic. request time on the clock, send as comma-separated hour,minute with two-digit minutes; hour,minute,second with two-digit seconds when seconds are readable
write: 12,08,01
